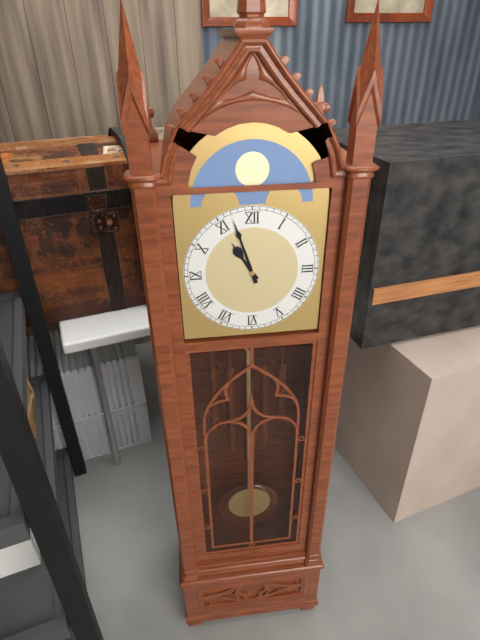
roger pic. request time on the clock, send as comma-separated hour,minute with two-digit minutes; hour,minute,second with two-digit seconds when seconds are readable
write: 10,57
